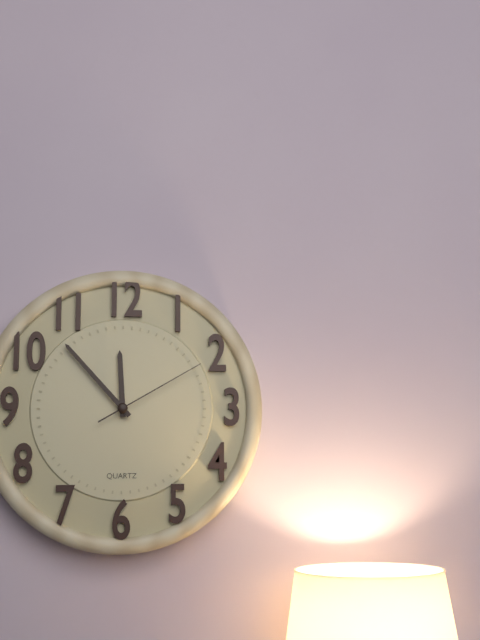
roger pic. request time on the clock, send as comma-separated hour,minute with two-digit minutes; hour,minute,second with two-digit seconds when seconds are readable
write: 11,53,10
